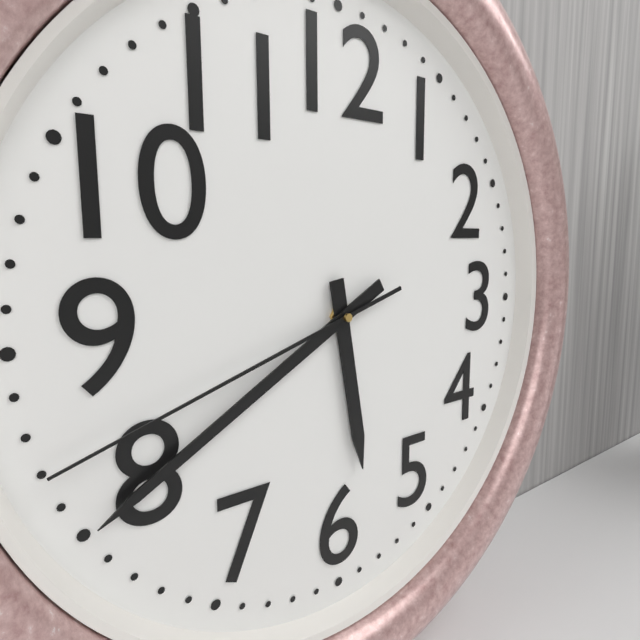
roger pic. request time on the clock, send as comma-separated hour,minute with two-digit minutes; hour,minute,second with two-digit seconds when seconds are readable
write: 5,40,42
